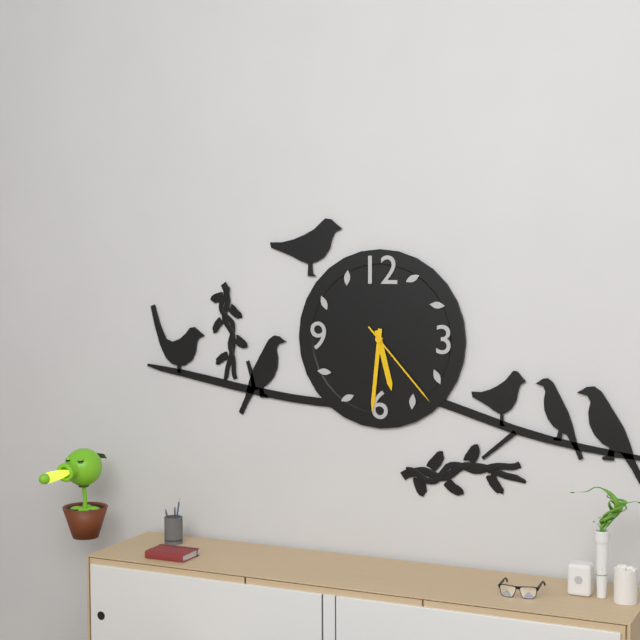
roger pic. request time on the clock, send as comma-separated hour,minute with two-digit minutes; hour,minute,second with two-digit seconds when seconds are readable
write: 5,31,23
